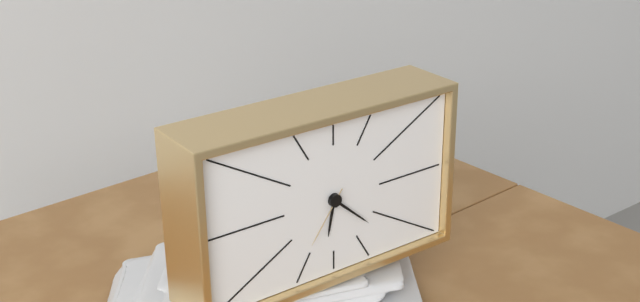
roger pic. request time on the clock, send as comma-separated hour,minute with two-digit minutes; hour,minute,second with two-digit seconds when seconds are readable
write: 6,22,36
